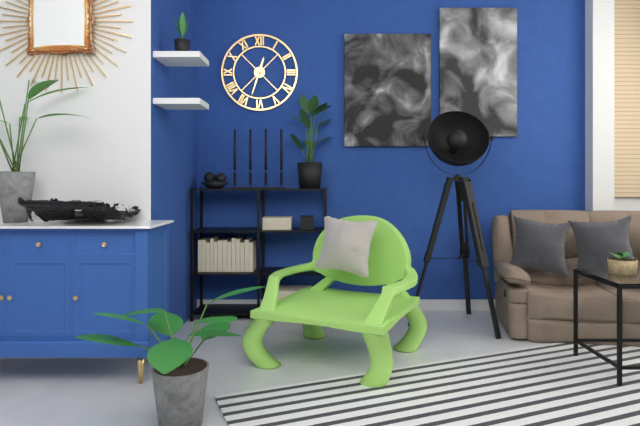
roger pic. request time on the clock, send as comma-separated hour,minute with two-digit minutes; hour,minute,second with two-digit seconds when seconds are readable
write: 12,33
